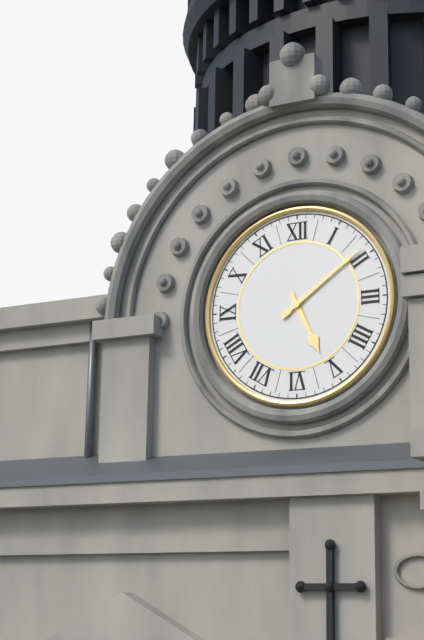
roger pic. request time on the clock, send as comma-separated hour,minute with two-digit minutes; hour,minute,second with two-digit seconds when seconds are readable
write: 5,09
